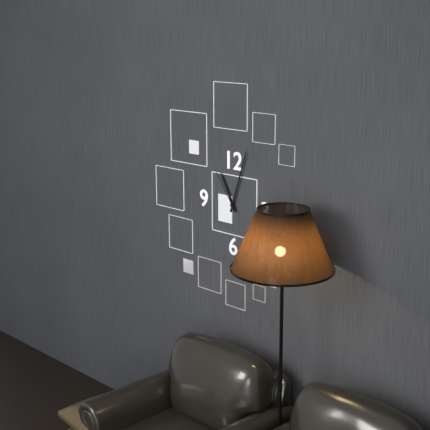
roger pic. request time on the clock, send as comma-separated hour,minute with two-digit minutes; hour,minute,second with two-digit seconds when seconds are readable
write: 11,03,54
